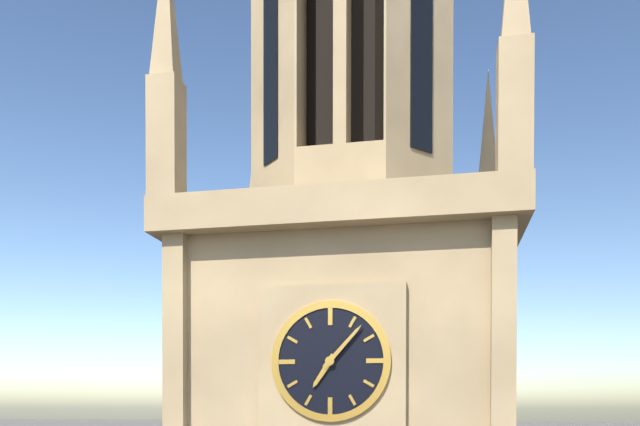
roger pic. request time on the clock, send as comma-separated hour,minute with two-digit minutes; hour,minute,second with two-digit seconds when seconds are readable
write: 7,07
